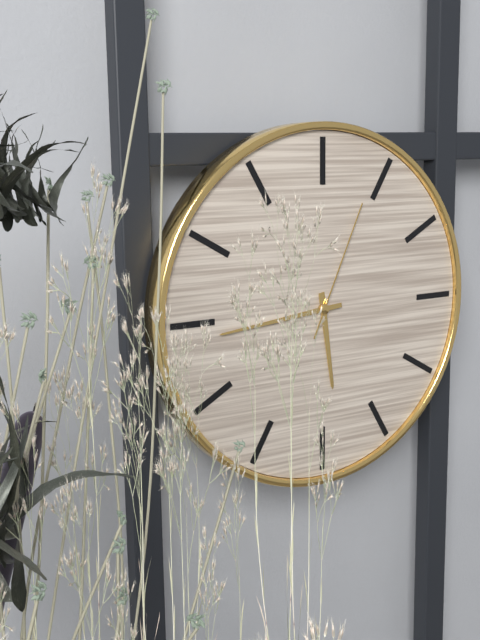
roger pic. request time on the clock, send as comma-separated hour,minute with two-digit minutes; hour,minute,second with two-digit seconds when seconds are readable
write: 5,44,04
